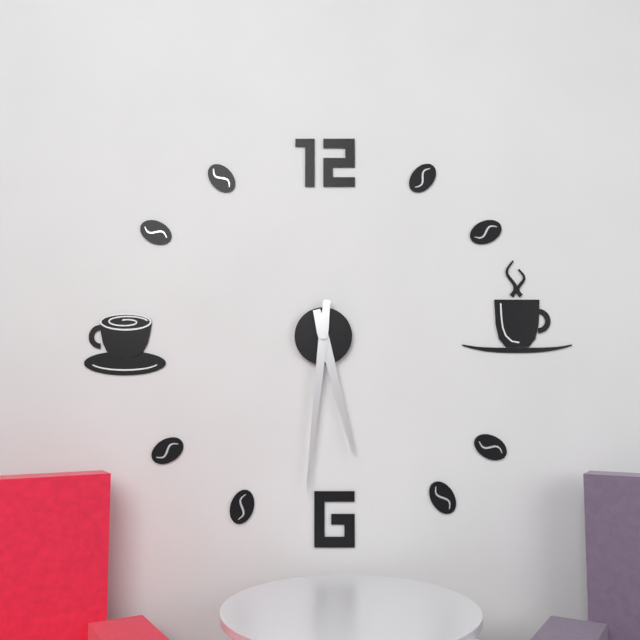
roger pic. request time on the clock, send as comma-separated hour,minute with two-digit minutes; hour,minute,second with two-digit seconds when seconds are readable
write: 5,31
